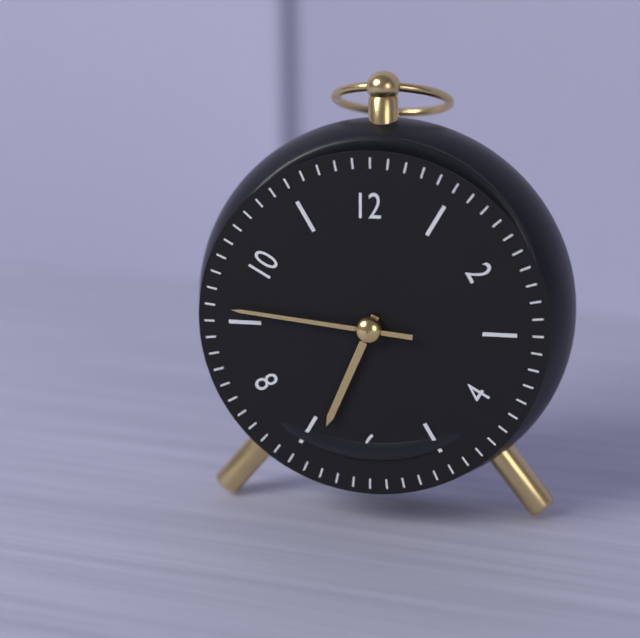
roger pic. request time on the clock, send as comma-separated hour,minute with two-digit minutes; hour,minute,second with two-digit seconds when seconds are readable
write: 6,46
